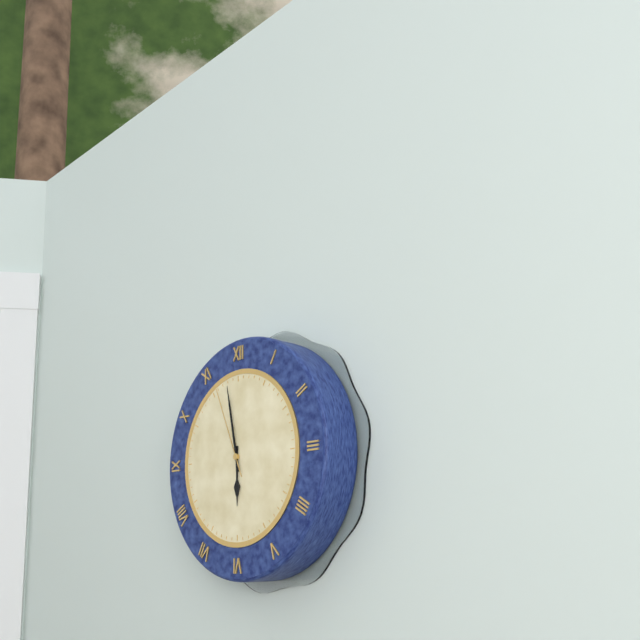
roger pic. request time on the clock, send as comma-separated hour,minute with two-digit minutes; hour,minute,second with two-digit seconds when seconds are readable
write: 5,58,56
